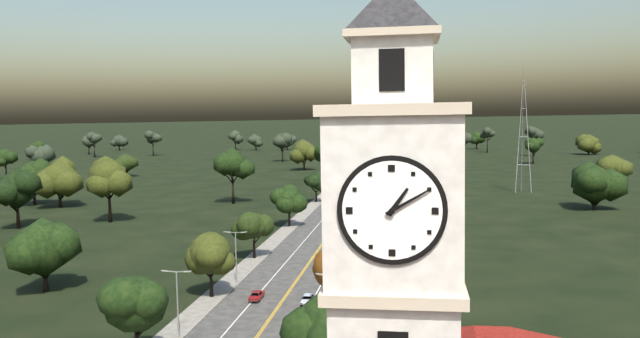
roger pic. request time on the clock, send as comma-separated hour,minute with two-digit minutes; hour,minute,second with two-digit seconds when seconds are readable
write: 1,10
